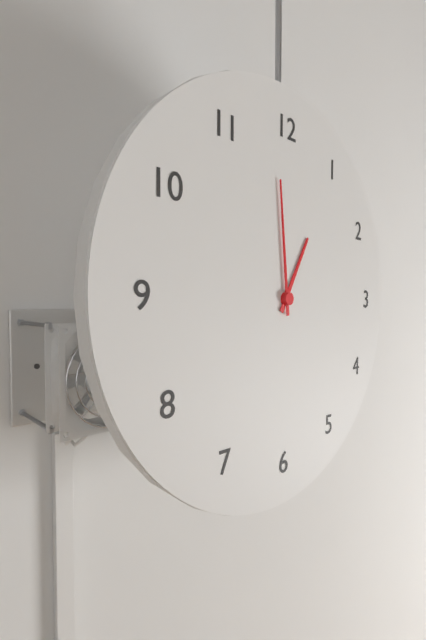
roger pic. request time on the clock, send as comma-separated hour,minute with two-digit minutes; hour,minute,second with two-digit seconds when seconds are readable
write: 12,59
